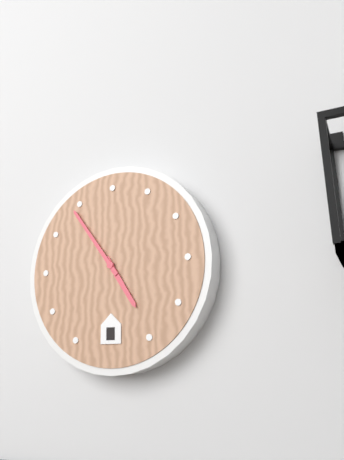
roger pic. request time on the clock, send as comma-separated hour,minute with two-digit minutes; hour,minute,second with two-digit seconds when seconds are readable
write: 4,54
